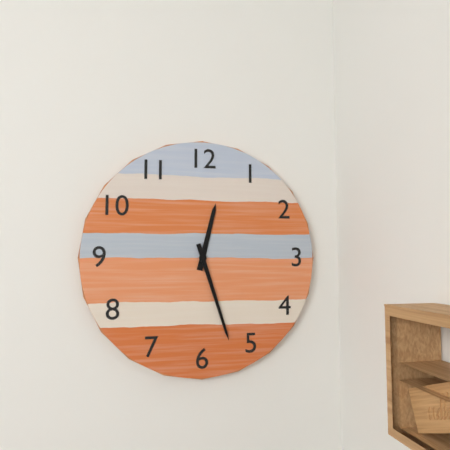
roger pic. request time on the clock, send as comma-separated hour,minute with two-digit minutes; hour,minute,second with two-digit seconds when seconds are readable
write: 12,27
